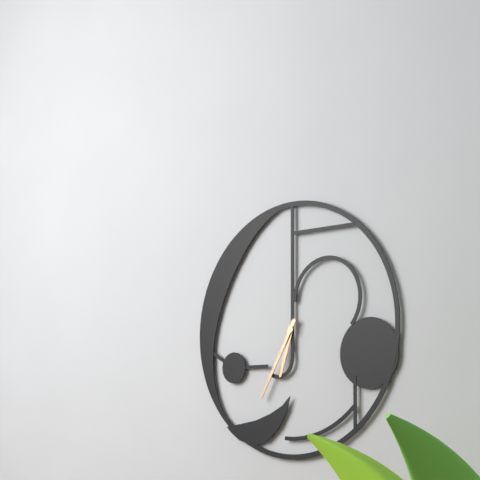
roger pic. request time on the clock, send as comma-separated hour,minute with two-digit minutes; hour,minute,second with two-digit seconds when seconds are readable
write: 6,35
